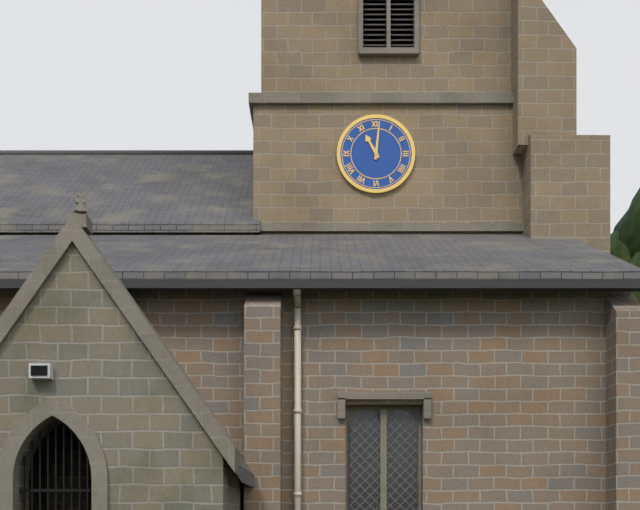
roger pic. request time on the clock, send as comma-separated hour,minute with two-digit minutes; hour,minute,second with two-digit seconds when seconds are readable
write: 11,01
